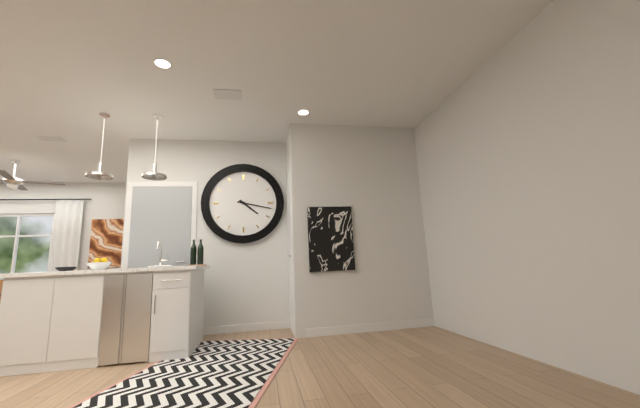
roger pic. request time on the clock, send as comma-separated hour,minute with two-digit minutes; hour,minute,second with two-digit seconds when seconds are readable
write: 4,17
